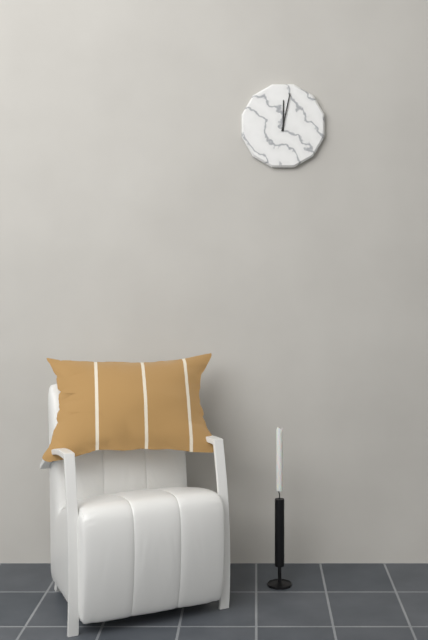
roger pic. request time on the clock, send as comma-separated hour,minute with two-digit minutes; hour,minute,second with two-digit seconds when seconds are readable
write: 12,02
